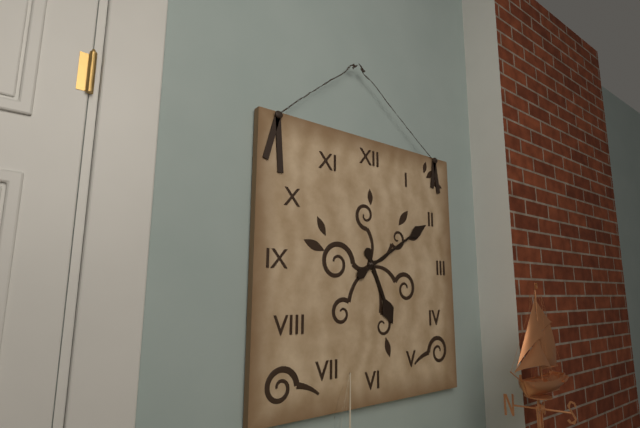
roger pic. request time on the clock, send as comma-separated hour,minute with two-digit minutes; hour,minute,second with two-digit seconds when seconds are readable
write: 5,10
